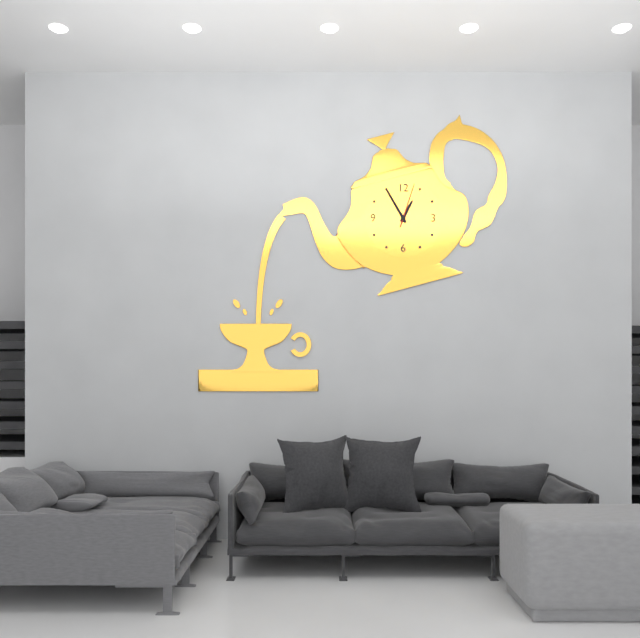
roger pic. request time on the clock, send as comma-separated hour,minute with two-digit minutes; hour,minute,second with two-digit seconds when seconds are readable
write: 12,55
